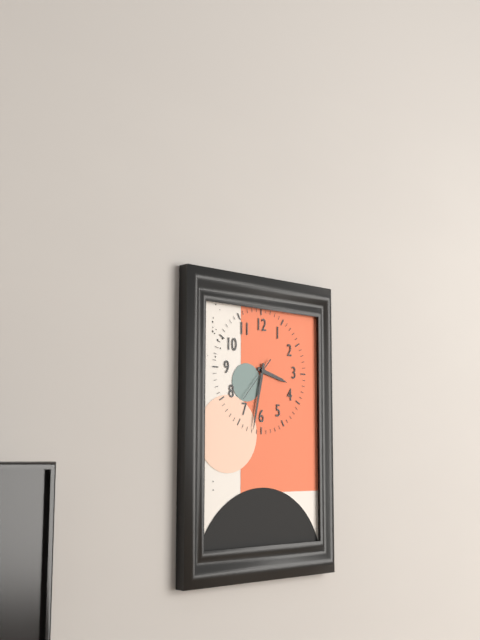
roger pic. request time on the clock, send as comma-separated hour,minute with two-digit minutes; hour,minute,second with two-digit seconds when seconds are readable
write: 3,32
